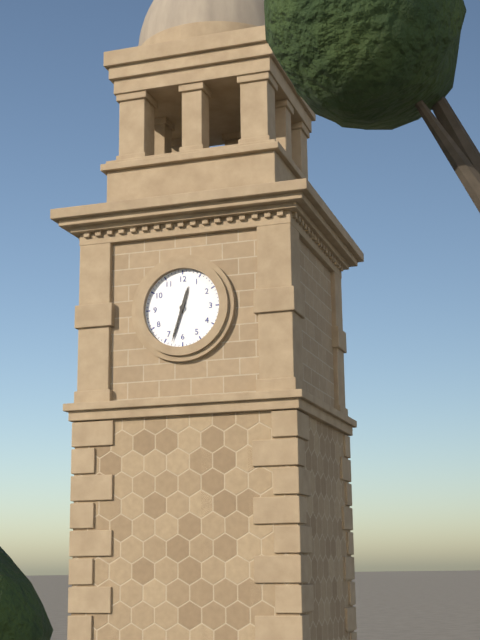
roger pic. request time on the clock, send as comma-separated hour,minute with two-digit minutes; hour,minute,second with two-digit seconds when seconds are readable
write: 12,33
